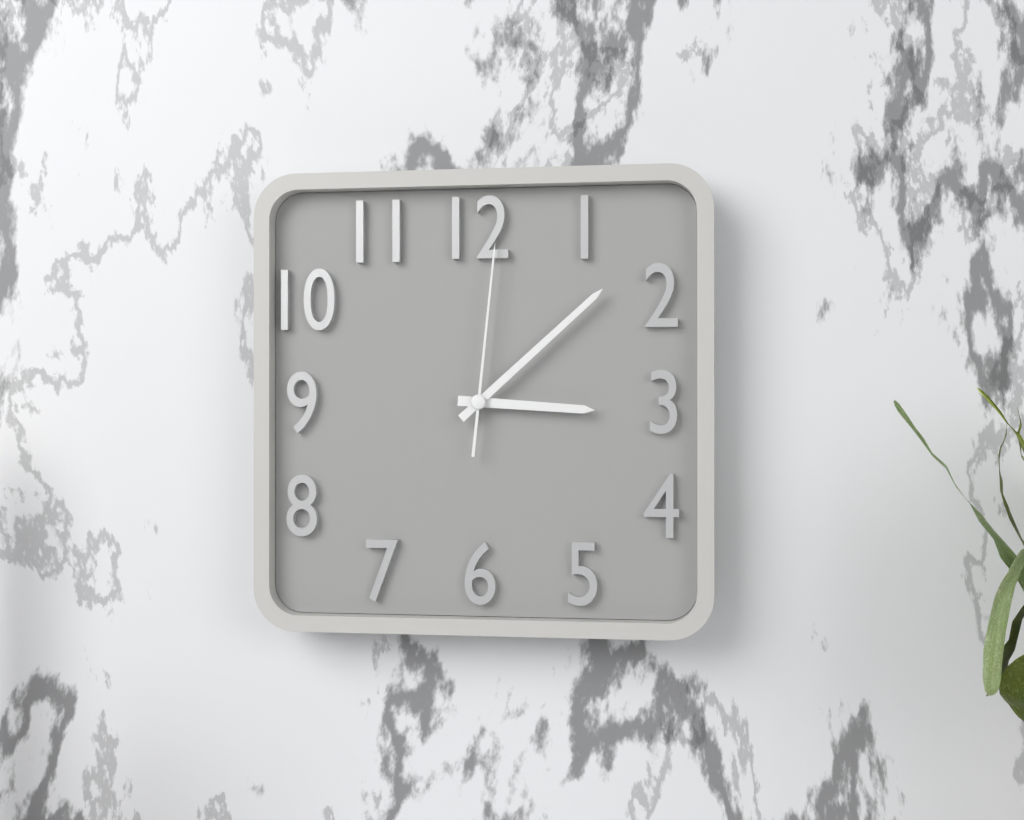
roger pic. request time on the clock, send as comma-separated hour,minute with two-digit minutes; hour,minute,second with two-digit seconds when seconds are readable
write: 3,08,01
